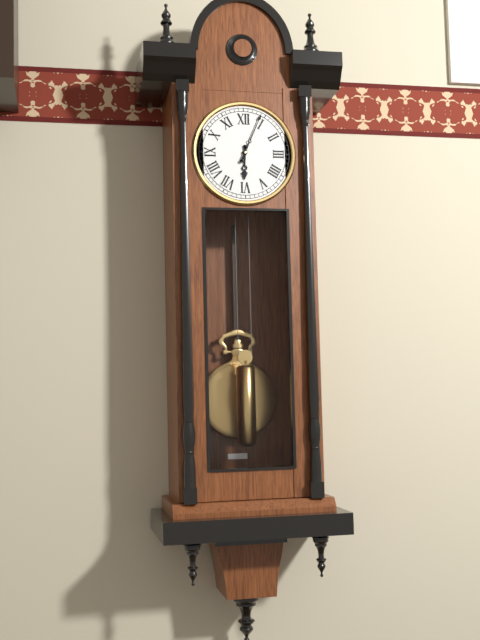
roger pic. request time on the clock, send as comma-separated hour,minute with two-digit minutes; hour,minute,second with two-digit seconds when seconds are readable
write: 6,04
